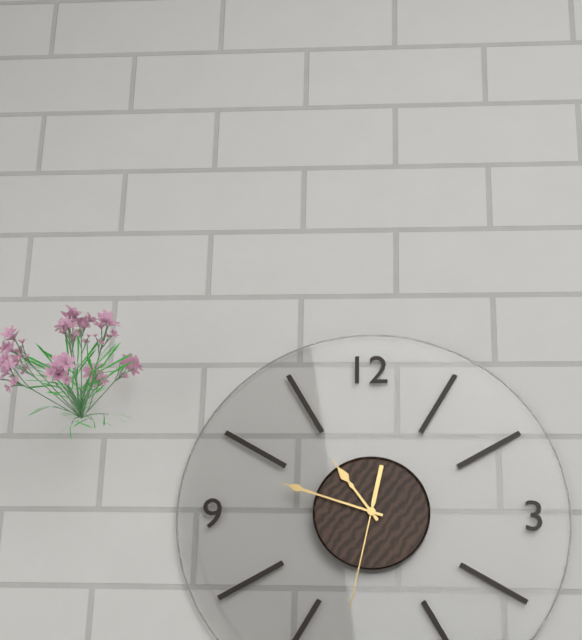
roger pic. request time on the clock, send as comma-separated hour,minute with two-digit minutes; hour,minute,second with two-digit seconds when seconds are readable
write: 10,48,32
